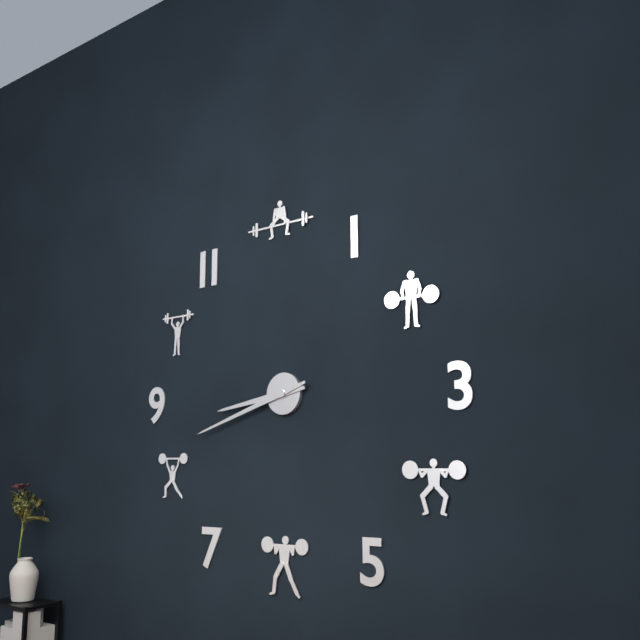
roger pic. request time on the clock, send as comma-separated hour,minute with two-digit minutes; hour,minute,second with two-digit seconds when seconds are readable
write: 8,42
